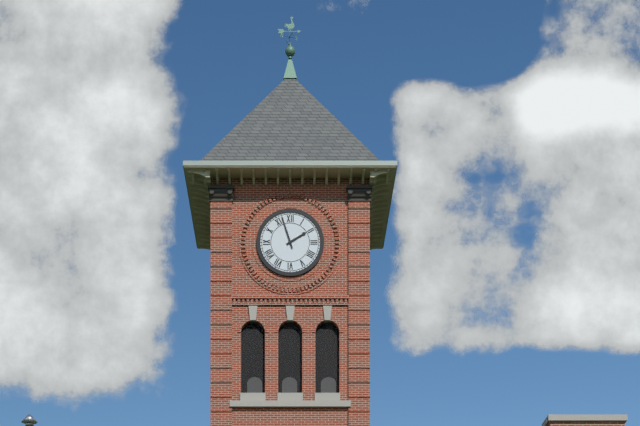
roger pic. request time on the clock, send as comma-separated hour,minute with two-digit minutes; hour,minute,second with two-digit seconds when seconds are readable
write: 1,57
